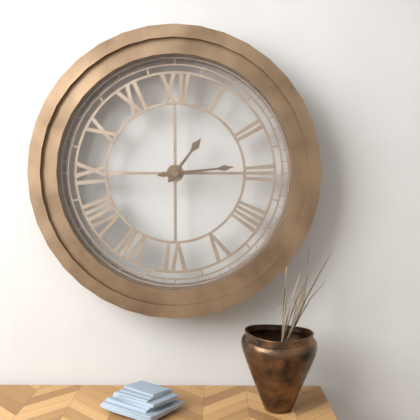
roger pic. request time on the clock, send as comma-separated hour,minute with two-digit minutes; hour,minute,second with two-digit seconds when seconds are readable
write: 1,14
